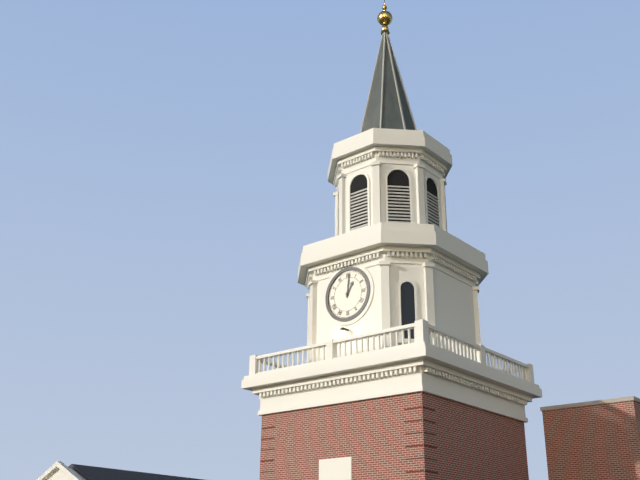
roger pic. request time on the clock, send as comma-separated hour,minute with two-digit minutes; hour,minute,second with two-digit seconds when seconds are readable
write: 1,01
